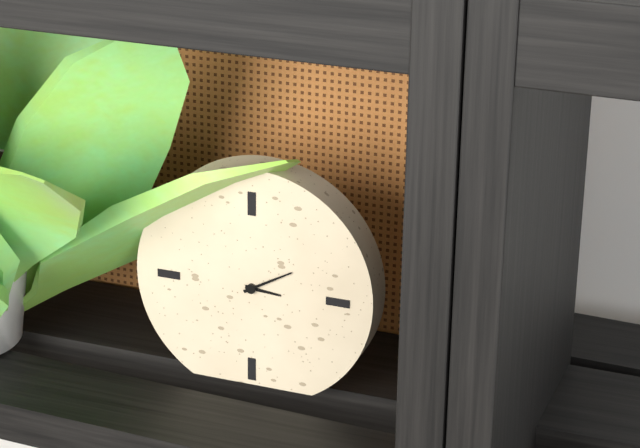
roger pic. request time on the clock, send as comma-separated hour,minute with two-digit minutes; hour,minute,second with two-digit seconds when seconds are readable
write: 3,10
